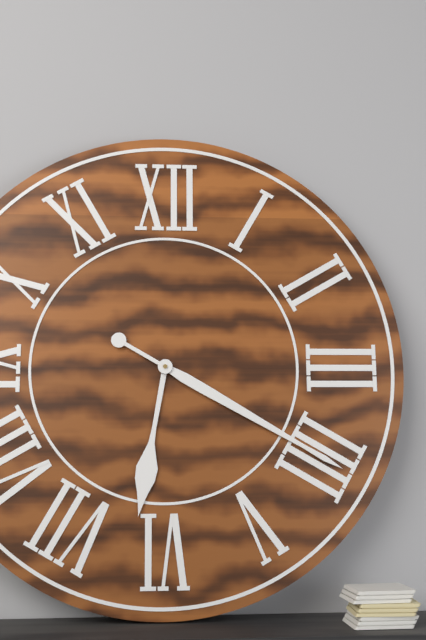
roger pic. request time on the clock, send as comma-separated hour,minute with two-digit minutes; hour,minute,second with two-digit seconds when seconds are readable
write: 6,20
